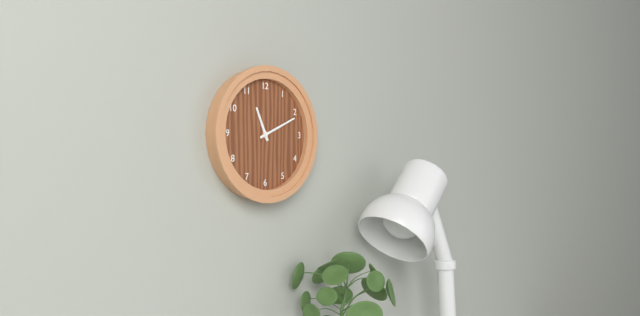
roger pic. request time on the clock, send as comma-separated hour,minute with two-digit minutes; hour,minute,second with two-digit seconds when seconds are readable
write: 11,11
